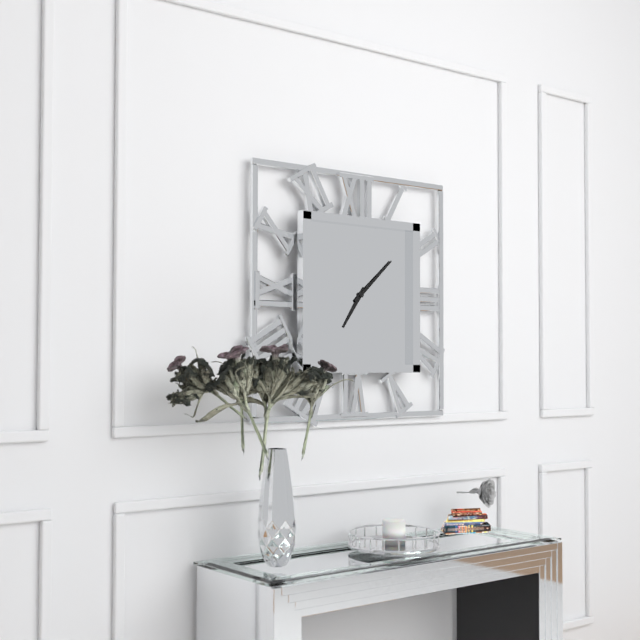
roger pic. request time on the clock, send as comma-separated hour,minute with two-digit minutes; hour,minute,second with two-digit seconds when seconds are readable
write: 7,08
